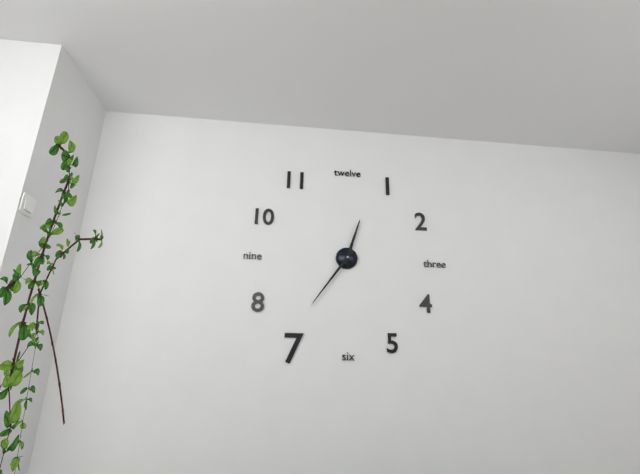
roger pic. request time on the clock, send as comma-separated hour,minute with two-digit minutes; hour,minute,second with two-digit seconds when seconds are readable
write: 12,36
